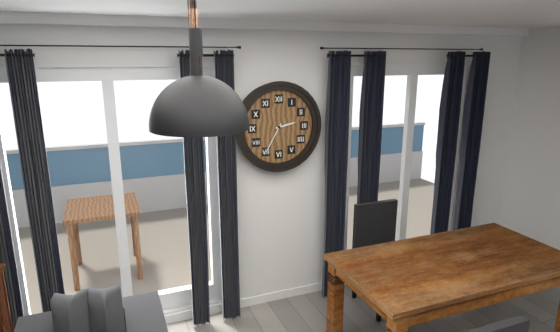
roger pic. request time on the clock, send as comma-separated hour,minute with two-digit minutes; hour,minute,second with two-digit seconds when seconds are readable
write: 2,35
